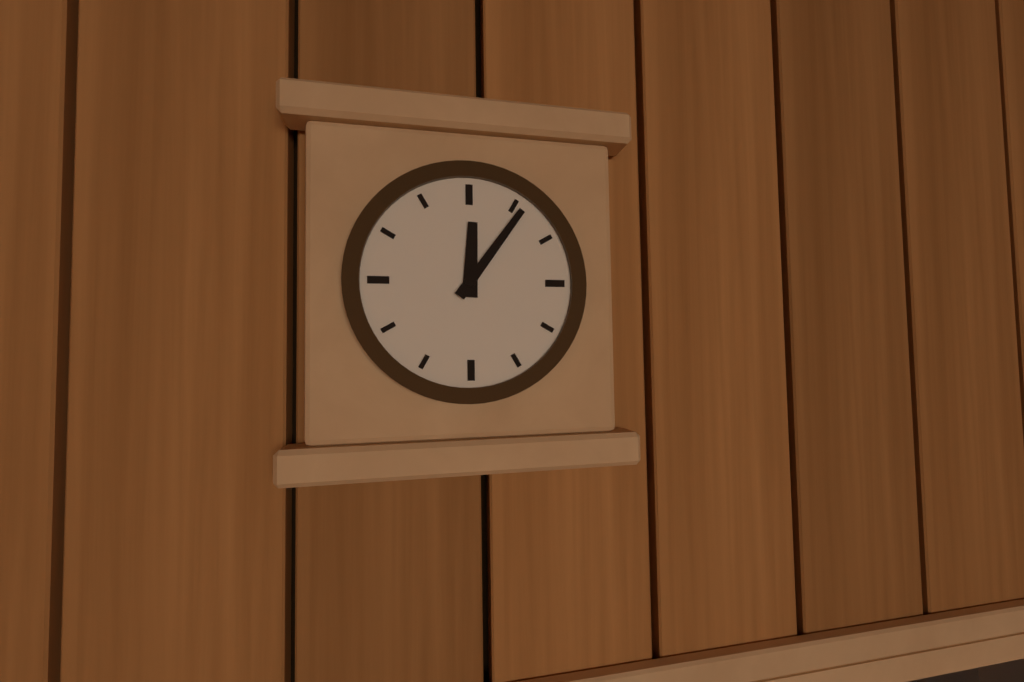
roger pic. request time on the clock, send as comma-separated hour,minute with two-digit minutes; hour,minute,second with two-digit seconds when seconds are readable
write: 12,06
